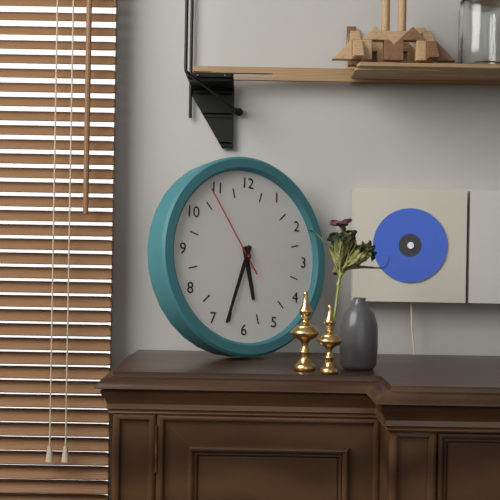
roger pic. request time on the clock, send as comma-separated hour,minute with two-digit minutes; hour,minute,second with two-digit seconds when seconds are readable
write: 5,33,54
